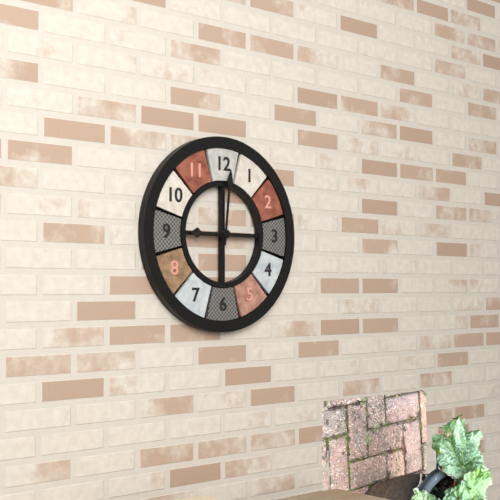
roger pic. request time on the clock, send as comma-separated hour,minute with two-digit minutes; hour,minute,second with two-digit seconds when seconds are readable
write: 9,01
